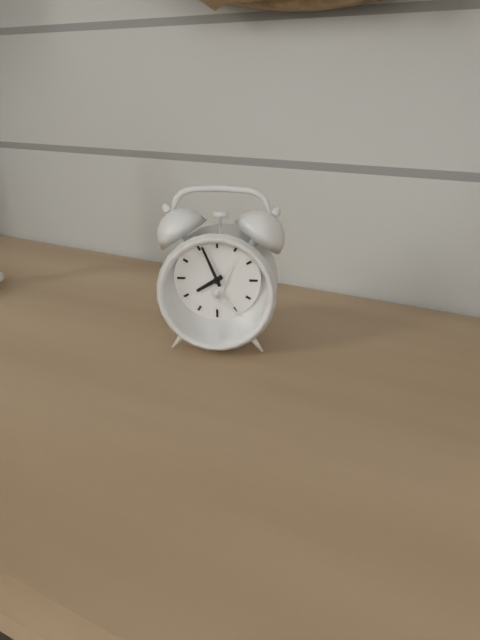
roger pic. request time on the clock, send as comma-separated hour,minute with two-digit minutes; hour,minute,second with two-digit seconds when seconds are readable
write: 7,56
